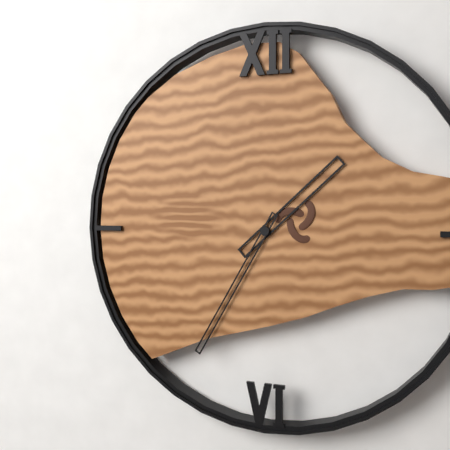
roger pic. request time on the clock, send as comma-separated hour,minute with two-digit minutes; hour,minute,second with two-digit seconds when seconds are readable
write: 1,35
